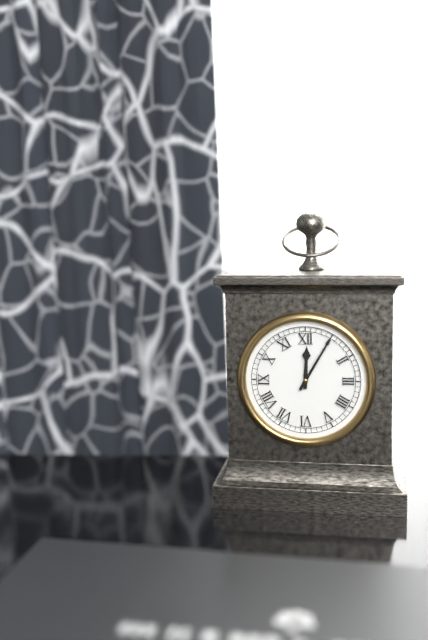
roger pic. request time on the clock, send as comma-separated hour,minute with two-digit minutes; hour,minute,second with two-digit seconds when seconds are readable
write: 12,05
